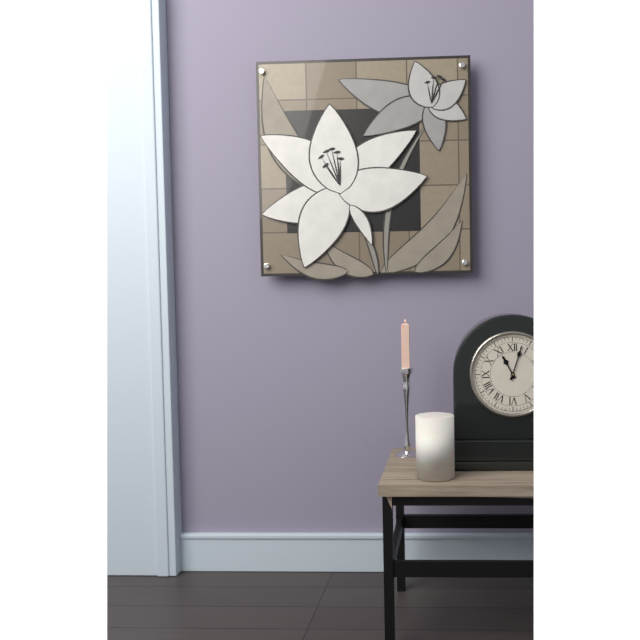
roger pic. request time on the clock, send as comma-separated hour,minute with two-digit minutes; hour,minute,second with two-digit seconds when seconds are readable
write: 11,03
